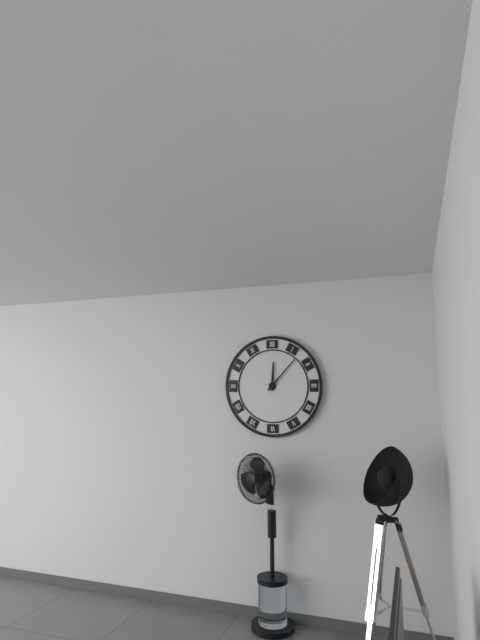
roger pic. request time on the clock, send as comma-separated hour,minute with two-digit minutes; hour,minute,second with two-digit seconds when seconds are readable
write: 12,07
